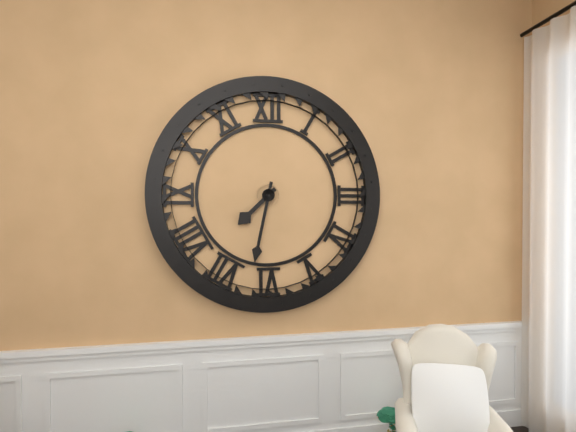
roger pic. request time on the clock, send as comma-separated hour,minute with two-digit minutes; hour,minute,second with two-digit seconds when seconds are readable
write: 7,32
